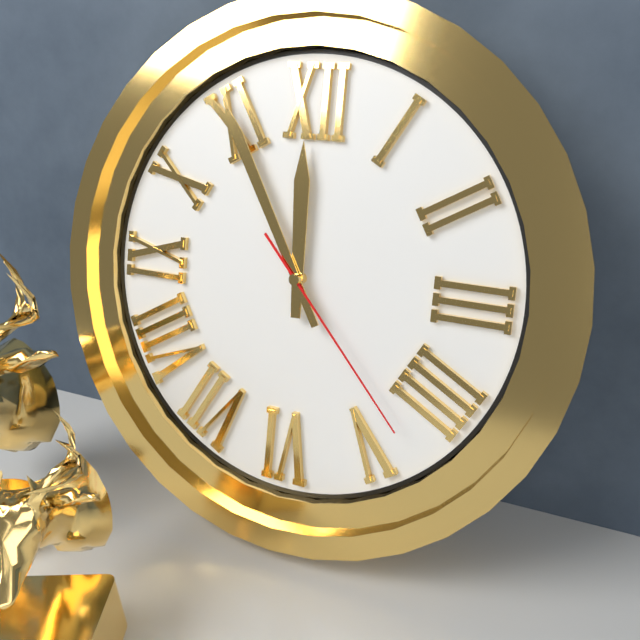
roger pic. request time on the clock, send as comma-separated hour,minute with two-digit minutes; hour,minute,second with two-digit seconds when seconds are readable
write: 11,55,23
